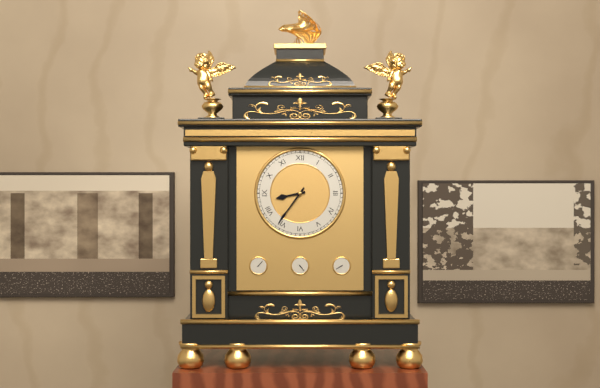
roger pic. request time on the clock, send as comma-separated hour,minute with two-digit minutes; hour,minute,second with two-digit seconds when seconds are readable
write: 8,36
